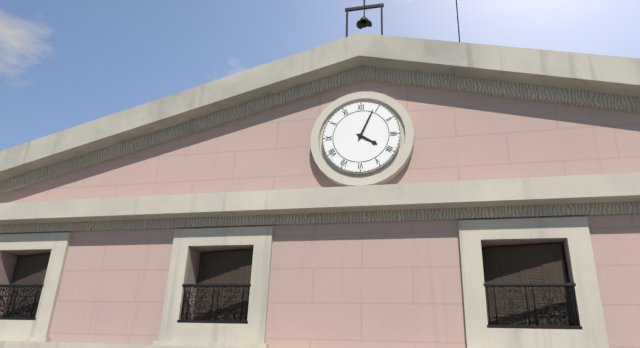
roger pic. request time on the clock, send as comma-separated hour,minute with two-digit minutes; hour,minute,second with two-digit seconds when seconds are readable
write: 4,04
